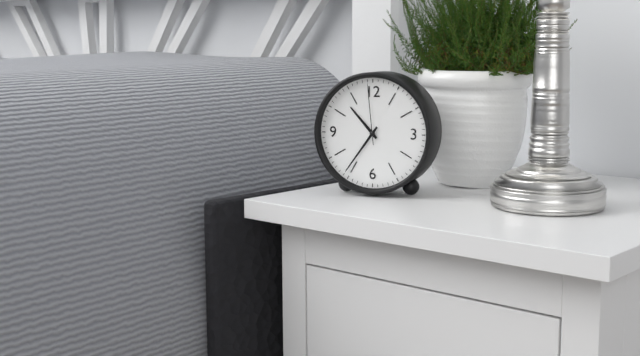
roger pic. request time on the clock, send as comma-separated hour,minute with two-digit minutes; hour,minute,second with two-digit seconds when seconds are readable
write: 10,36,59
